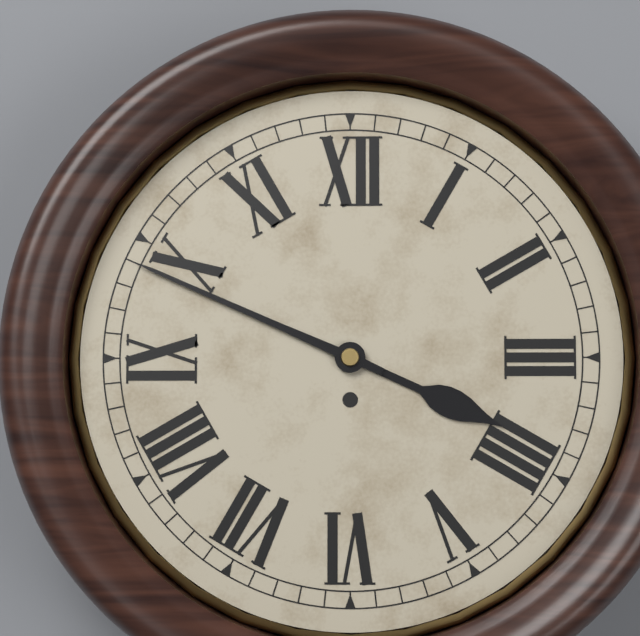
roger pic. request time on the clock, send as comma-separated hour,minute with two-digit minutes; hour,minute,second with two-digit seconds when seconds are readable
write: 3,49
